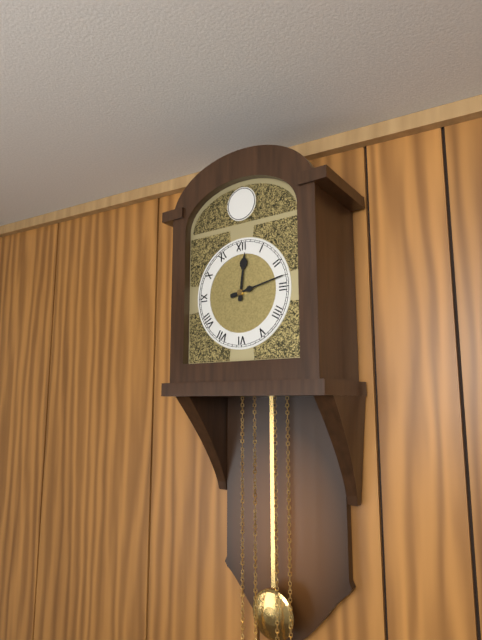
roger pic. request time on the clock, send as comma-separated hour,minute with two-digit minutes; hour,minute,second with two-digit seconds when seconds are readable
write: 12,13
